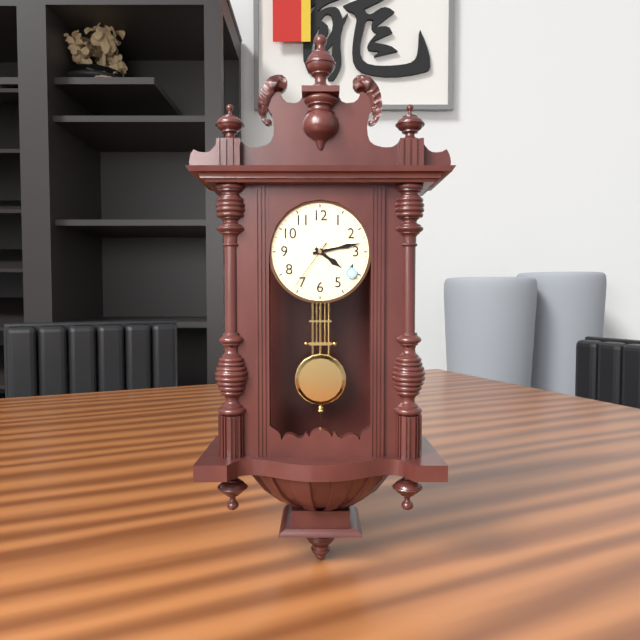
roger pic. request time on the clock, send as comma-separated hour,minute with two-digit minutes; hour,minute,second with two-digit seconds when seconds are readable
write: 4,13,36
